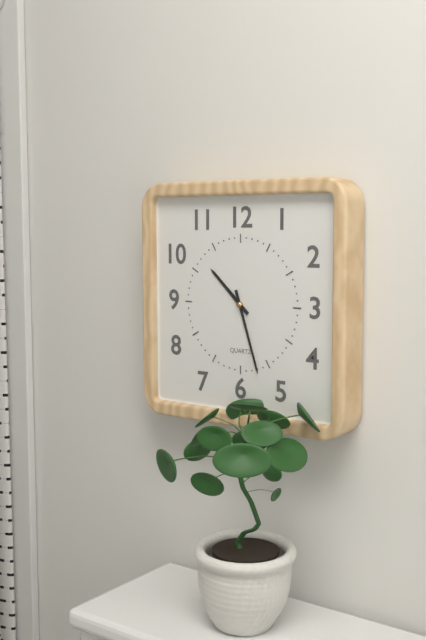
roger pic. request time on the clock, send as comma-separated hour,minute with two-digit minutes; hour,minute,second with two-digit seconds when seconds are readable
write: 10,27
